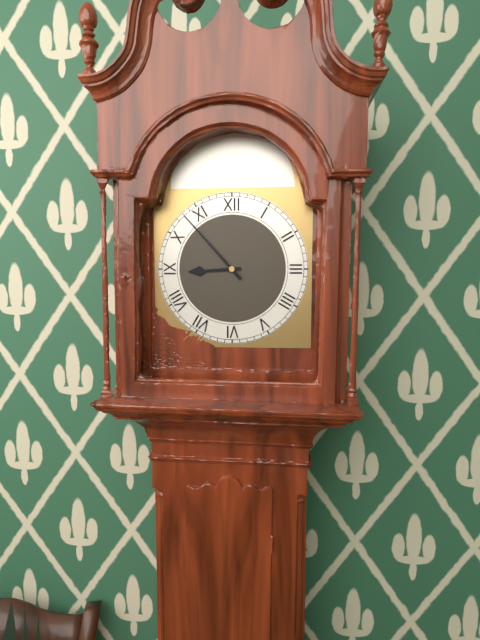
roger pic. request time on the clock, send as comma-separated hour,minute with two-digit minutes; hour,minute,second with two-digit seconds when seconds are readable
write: 8,53
